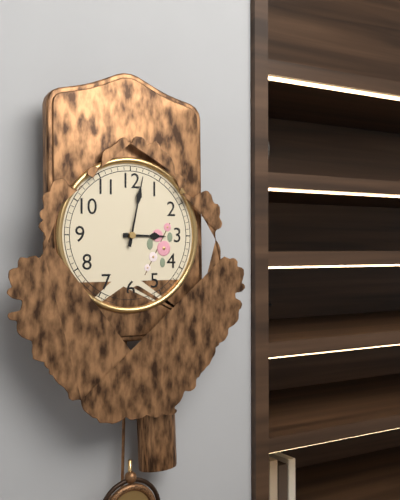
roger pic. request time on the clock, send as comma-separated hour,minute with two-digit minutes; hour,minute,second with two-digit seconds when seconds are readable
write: 3,02
